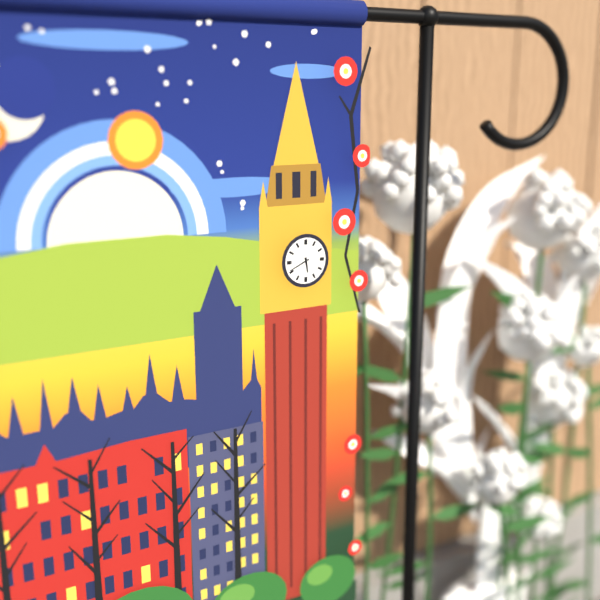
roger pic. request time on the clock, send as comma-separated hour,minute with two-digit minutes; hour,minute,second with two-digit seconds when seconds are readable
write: 5,41
